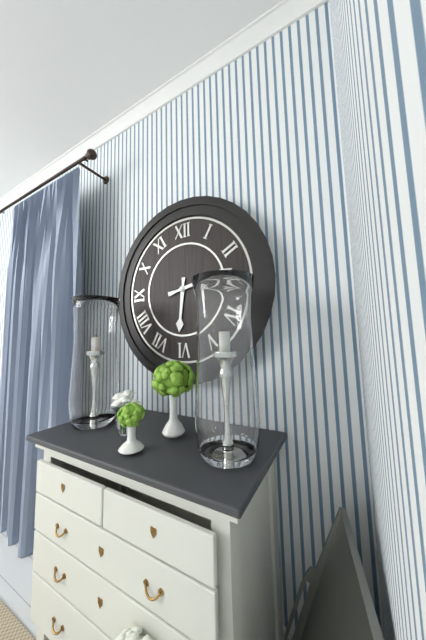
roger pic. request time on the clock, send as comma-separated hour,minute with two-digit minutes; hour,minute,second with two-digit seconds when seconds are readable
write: 6,13
